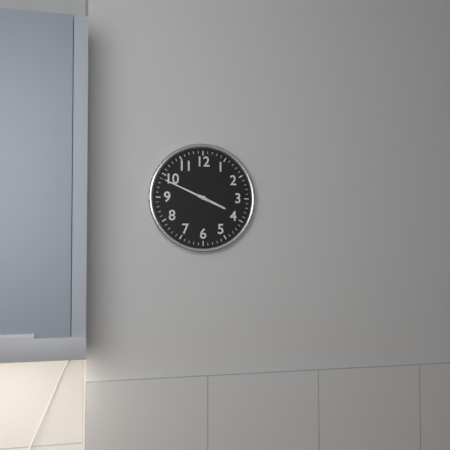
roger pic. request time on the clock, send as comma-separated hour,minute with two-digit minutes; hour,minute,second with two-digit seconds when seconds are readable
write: 3,49
